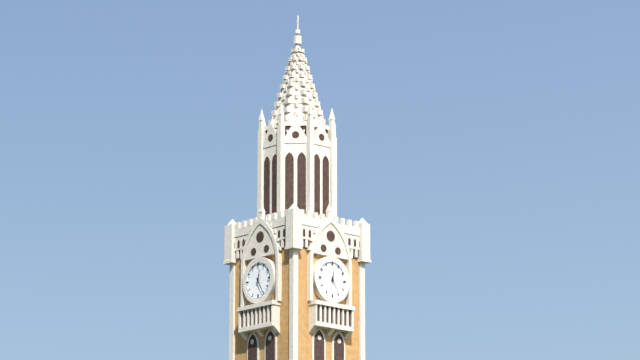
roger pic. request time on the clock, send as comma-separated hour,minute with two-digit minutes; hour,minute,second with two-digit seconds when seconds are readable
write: 12,25
